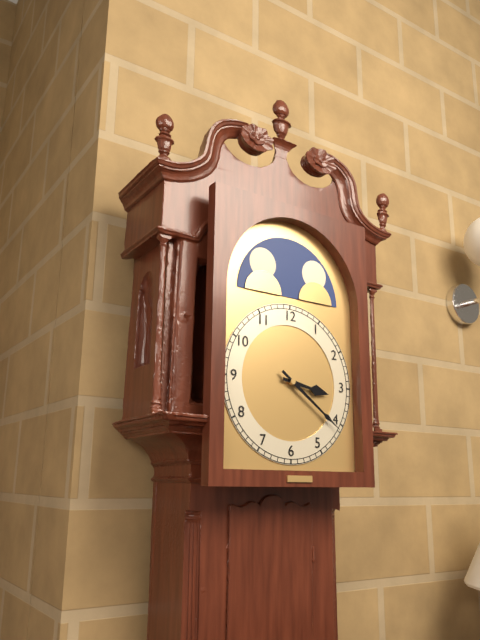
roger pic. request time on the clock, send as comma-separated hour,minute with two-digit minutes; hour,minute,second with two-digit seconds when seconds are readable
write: 3,21
